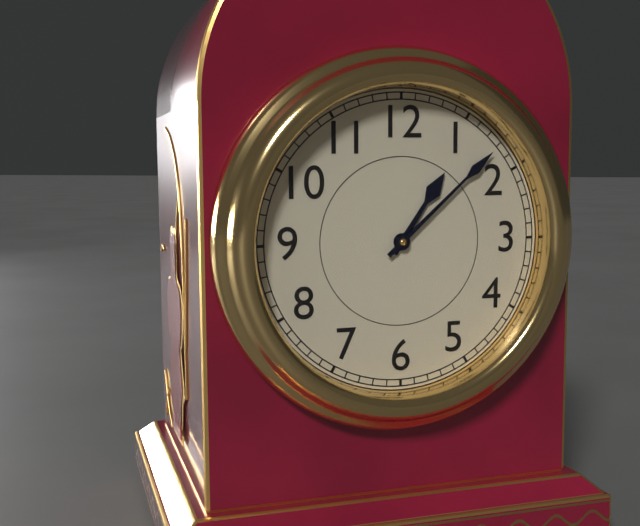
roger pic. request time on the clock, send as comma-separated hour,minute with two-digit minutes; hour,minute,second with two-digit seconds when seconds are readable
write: 1,08
